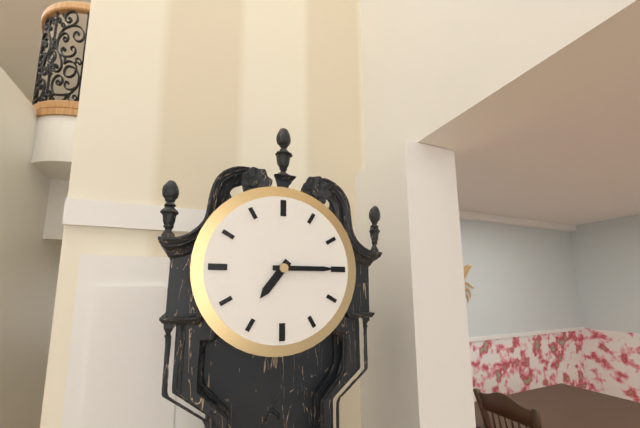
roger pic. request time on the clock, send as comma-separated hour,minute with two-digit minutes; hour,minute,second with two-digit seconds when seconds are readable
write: 7,15
